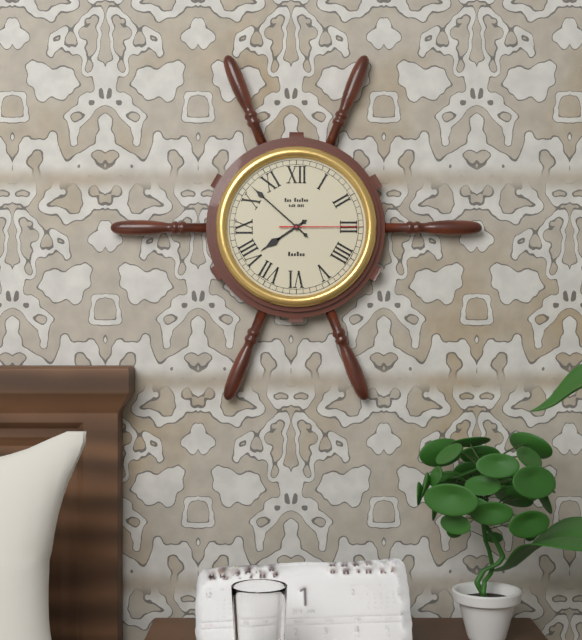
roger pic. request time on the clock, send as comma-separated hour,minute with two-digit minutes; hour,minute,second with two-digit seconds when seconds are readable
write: 7,52,15
